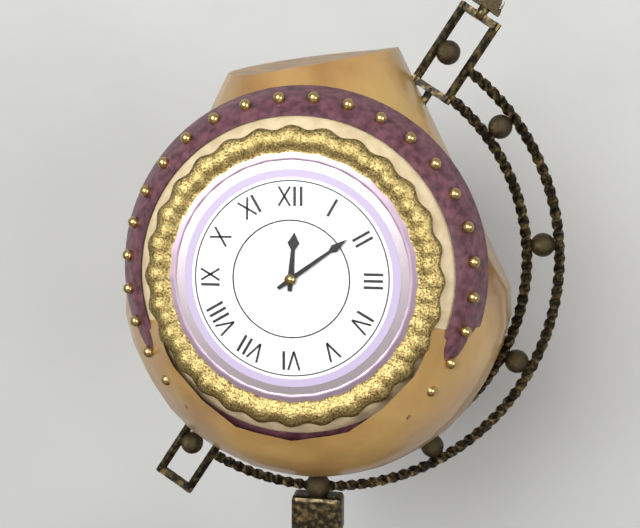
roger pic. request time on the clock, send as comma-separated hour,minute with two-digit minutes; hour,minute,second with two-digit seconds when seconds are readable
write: 12,09
